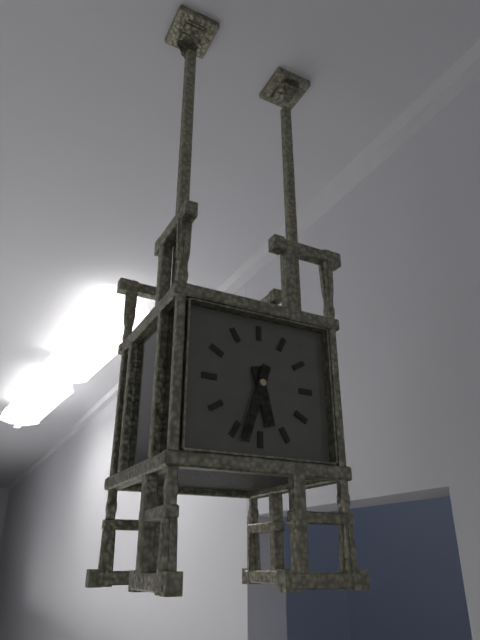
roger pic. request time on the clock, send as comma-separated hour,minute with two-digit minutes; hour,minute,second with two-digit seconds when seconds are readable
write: 5,33
